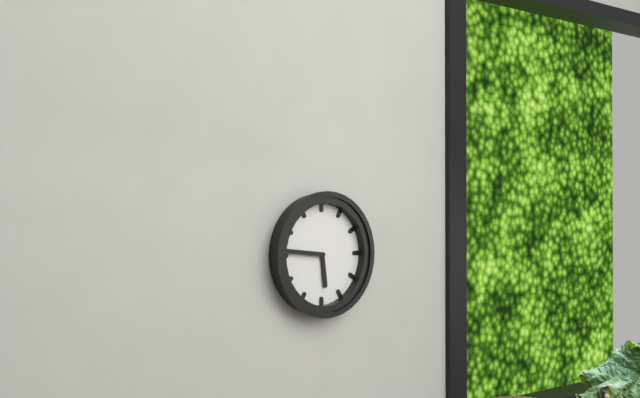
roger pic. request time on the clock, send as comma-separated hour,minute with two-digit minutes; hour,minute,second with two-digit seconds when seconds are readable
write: 5,46
